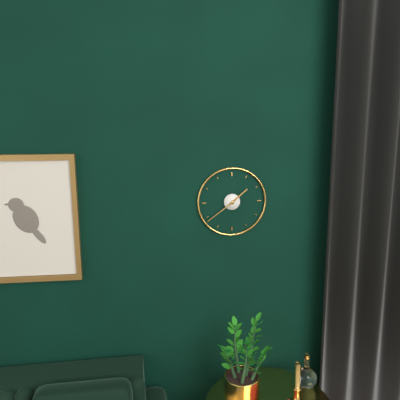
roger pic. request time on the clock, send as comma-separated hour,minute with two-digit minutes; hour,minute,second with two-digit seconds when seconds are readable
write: 1,39
